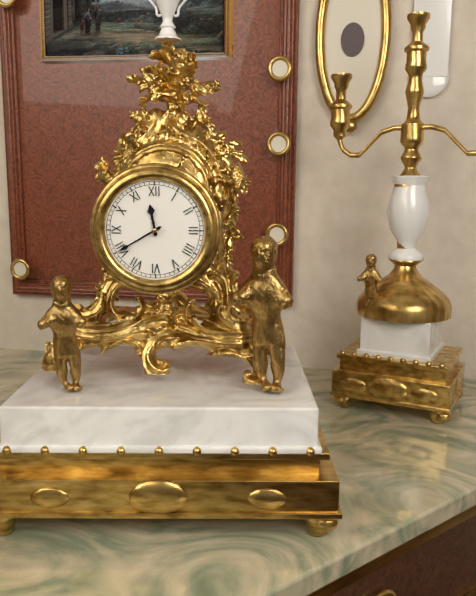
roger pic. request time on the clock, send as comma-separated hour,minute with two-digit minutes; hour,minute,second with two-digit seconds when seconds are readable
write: 11,40
